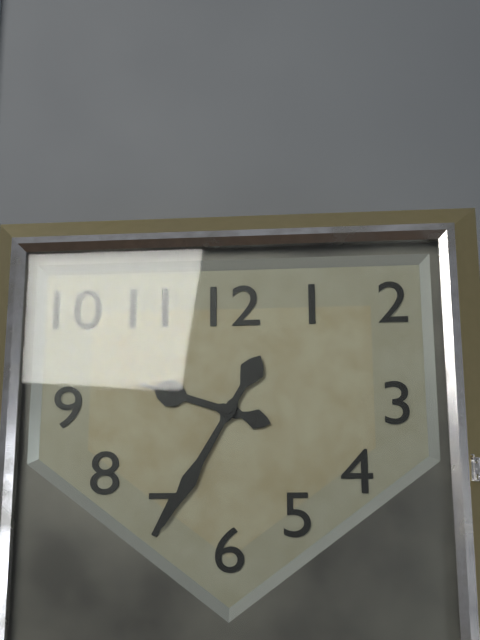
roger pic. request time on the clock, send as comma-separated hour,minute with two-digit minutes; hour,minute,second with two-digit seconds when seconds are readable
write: 9,35
